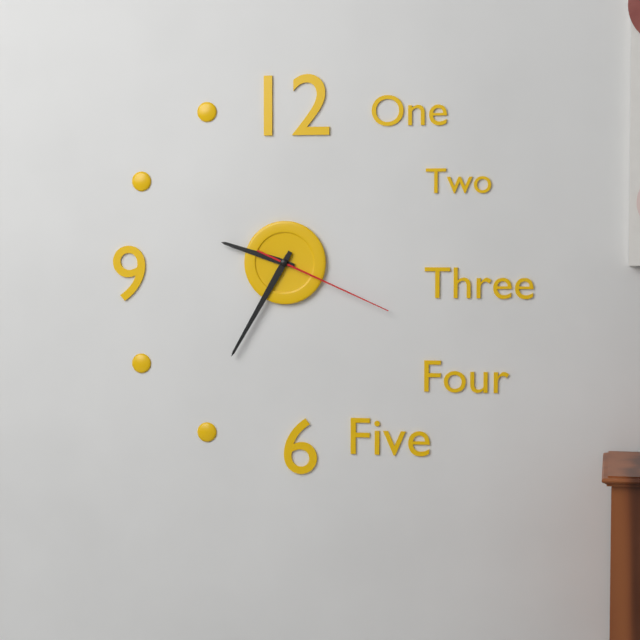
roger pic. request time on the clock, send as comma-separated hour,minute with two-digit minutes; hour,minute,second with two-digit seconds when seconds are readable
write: 9,35,19
